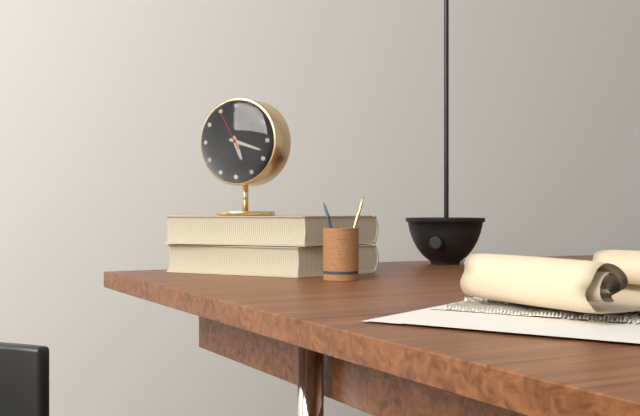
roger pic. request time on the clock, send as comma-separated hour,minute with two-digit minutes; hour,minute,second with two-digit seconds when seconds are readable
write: 5,18
